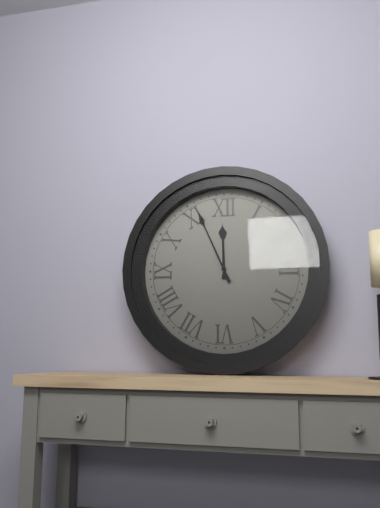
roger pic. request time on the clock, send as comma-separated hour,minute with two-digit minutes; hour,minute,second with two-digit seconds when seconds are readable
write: 11,56
